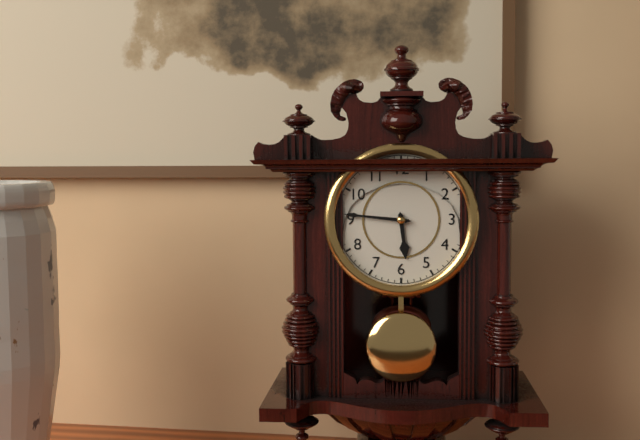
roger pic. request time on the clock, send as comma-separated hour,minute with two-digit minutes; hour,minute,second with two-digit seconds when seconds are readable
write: 5,46
